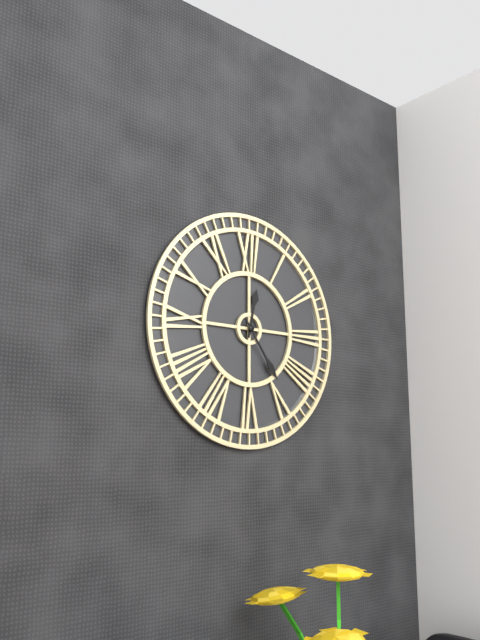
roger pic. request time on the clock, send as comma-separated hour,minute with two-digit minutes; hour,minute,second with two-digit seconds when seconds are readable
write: 12,24
